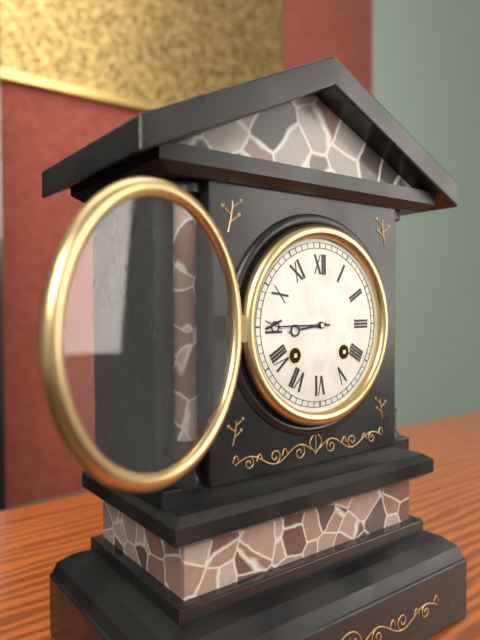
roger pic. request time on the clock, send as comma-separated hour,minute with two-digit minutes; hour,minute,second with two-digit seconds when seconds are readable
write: 8,45
